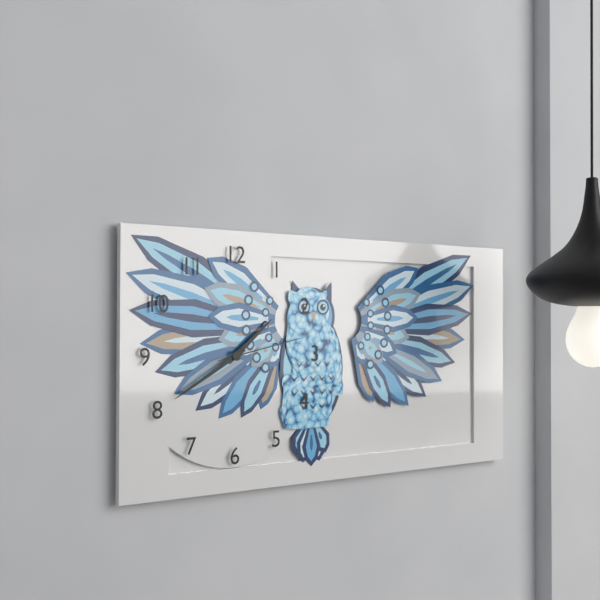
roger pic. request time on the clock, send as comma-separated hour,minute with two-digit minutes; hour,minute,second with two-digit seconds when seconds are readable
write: 1,40,13
